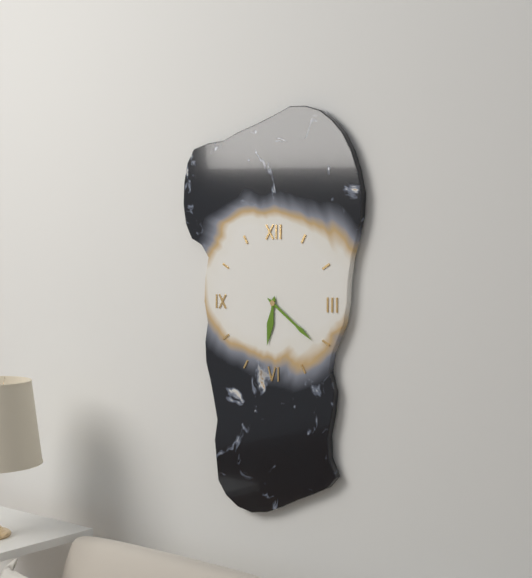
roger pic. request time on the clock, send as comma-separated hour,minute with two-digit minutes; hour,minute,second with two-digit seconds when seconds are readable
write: 6,21
